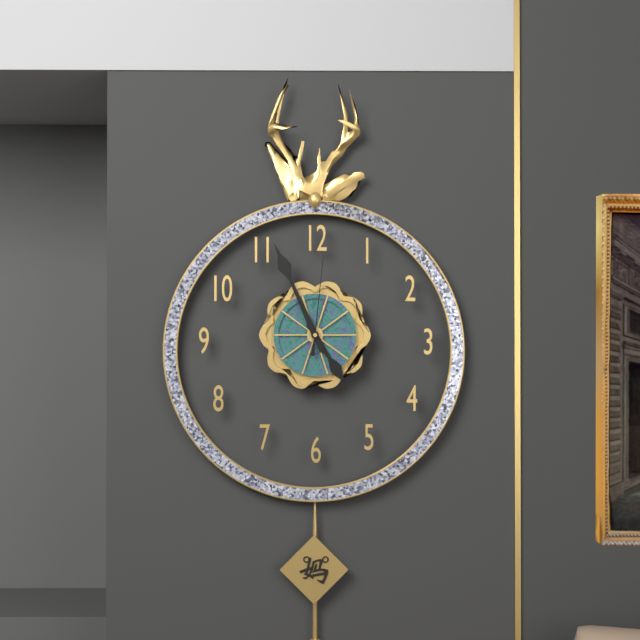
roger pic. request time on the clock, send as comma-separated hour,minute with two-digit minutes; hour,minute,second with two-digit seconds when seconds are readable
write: 4,56,01
